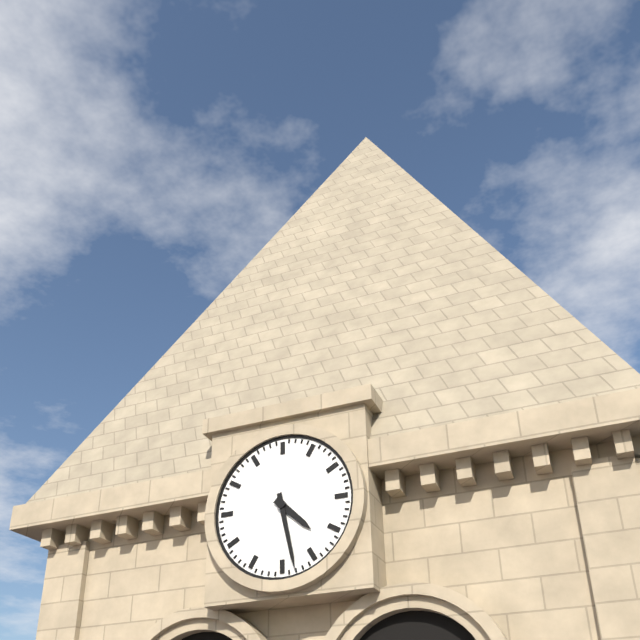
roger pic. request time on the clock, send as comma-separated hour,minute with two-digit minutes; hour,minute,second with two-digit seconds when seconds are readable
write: 4,28
